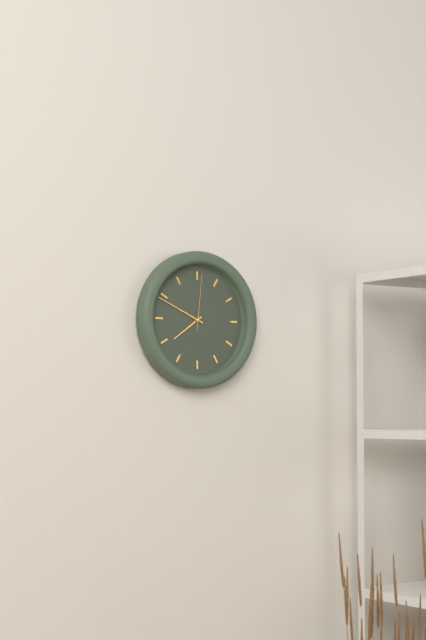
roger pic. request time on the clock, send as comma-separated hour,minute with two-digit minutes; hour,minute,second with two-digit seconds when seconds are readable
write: 7,49,01
